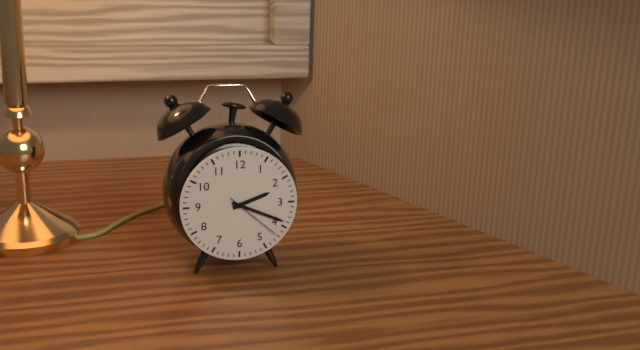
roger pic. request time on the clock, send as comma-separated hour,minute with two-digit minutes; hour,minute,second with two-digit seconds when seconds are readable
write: 2,19,22
